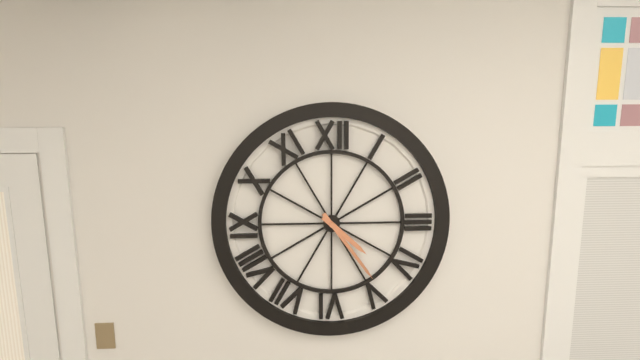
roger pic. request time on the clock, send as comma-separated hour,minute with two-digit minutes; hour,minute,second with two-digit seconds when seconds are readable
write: 4,24
